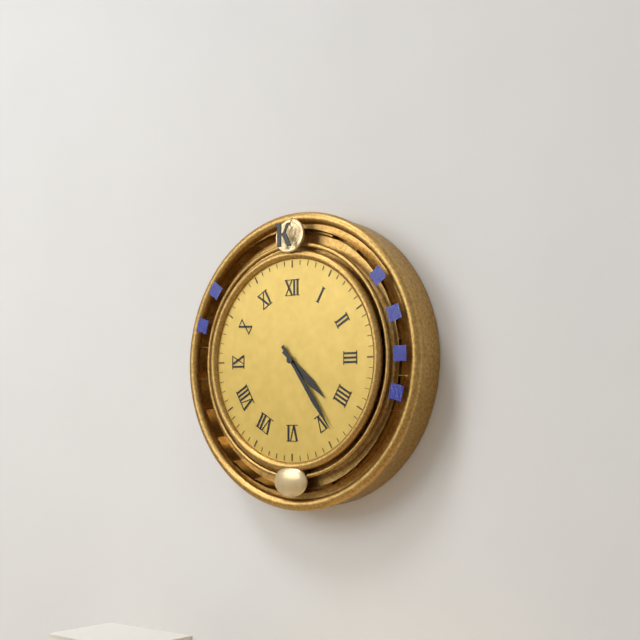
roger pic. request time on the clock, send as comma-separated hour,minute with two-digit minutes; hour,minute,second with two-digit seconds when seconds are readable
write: 4,24
